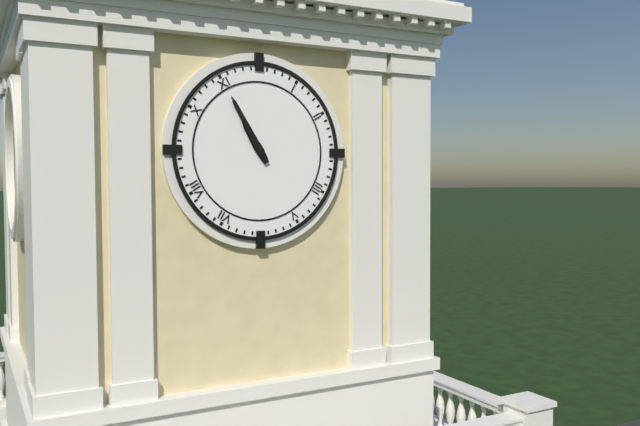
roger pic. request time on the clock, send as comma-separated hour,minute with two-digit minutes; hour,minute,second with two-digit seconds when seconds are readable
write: 10,55
